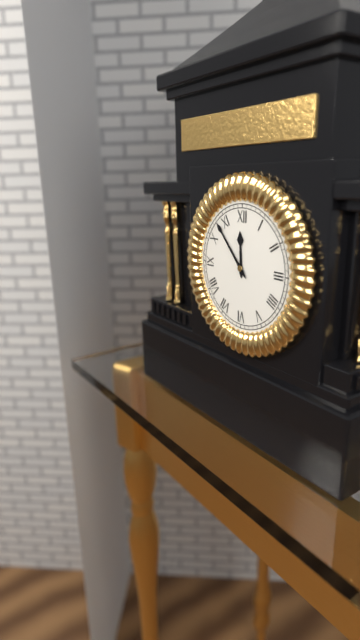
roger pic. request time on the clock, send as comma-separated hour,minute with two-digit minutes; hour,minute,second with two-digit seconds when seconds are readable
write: 11,53
